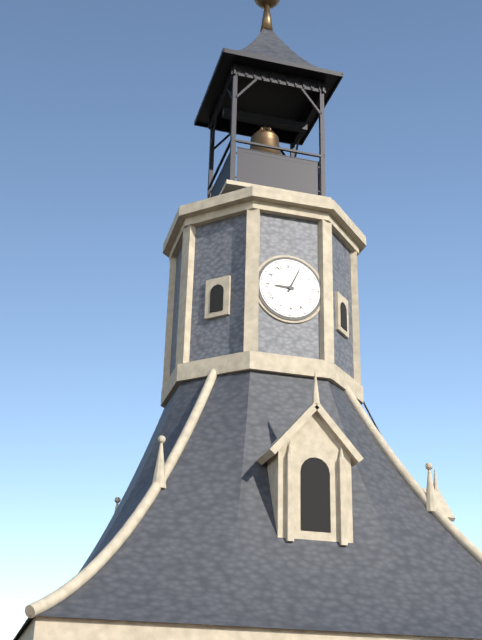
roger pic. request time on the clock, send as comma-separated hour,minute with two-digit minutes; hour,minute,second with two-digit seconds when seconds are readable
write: 9,04
